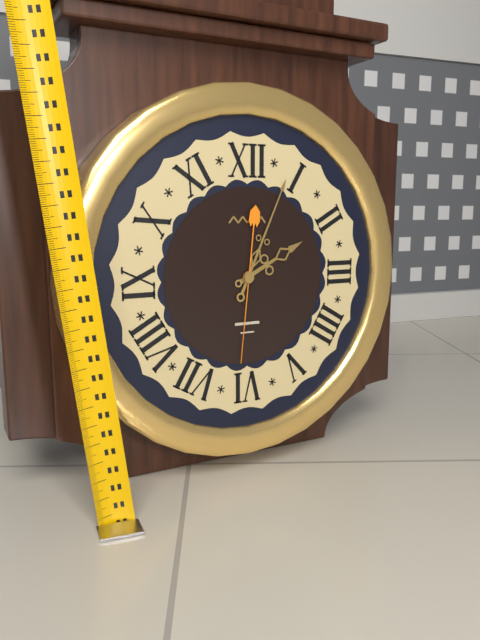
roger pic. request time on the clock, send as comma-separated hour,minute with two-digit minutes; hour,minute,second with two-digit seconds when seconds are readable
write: 2,04,31
